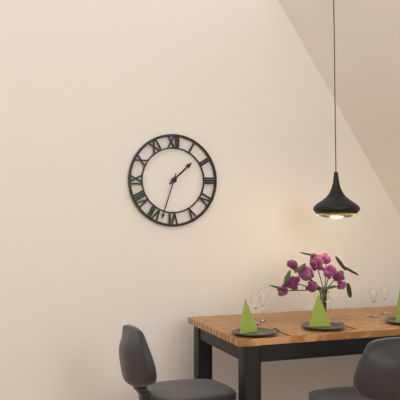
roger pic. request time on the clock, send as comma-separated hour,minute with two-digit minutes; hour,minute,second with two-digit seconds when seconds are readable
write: 1,33
